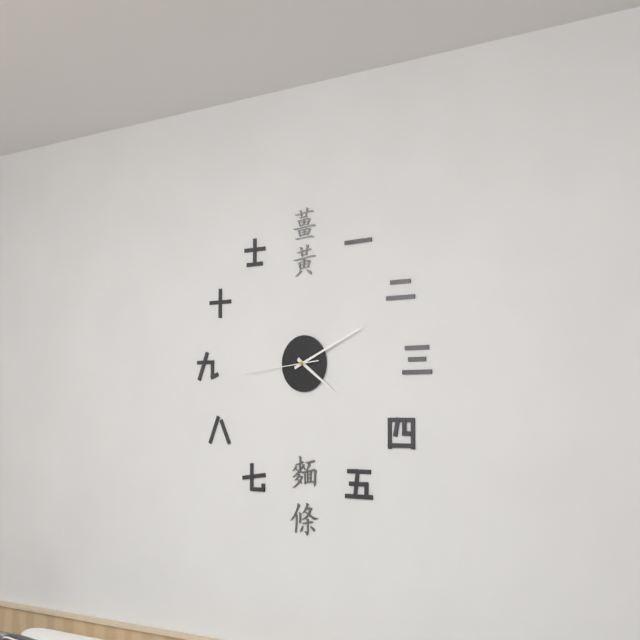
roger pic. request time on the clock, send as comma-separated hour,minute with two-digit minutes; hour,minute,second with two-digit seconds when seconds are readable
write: 4,11,44
